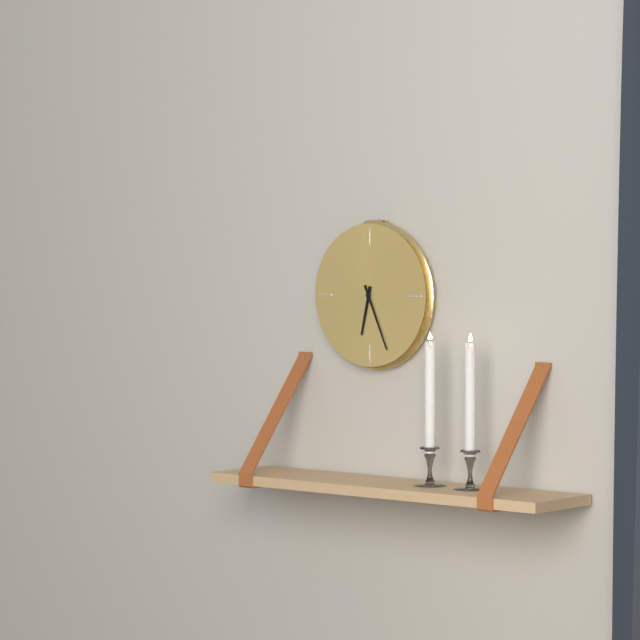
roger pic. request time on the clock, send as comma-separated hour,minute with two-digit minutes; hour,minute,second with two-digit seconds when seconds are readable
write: 6,26
